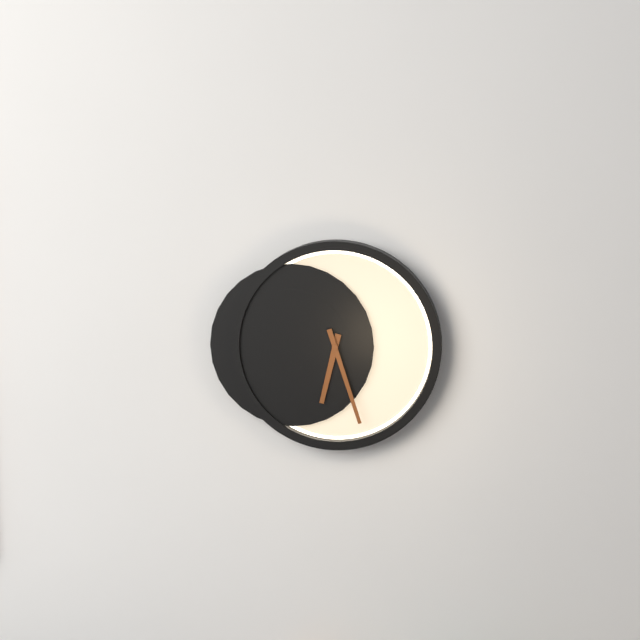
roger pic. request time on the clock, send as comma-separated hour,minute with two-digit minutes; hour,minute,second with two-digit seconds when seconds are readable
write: 6,27
